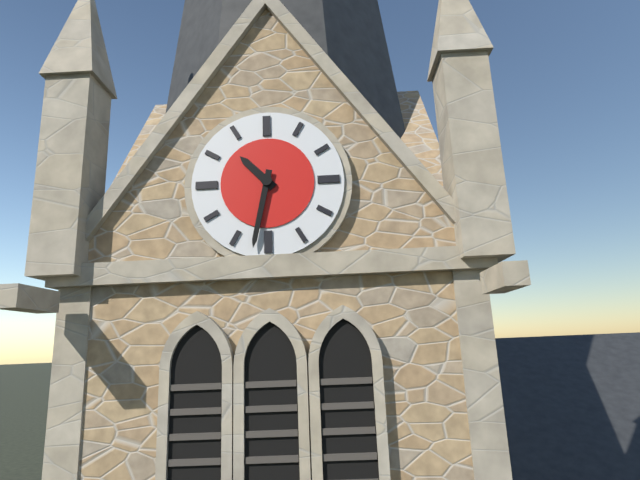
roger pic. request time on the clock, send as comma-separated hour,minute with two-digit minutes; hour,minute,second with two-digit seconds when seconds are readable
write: 10,32
